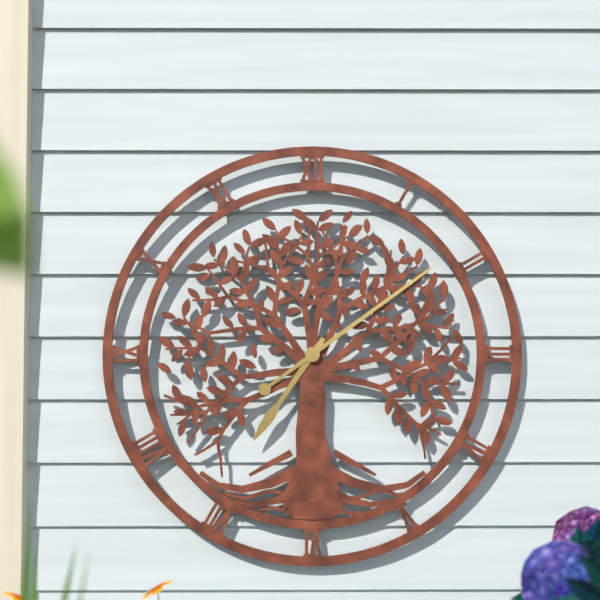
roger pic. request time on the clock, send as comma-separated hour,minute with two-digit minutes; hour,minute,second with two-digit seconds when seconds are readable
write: 7,09
